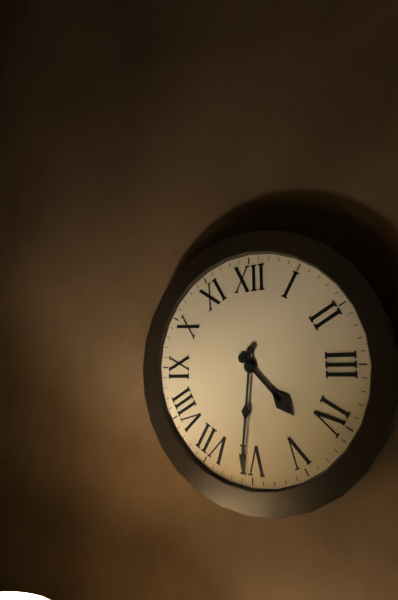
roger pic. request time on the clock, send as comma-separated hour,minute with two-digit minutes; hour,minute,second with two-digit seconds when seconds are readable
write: 4,31
